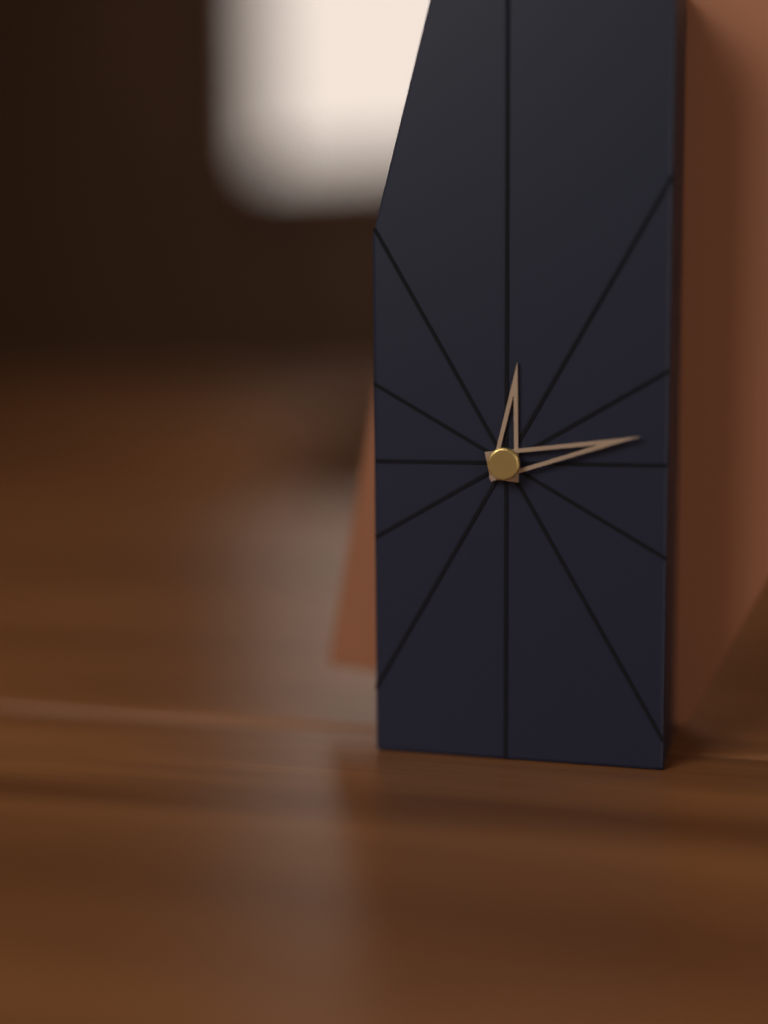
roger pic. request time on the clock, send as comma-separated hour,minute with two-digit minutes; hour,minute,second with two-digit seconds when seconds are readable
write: 12,13
